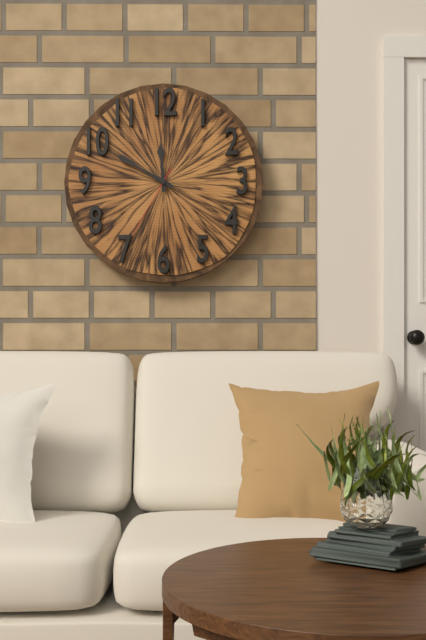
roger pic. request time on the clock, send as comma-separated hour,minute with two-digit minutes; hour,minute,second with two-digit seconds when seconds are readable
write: 11,50,35
